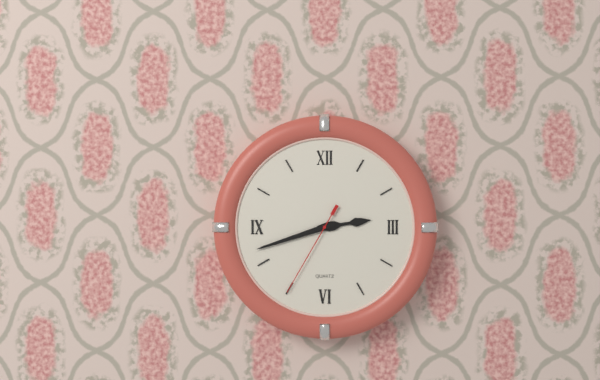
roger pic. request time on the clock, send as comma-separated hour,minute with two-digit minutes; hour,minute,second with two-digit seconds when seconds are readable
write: 2,42,35
